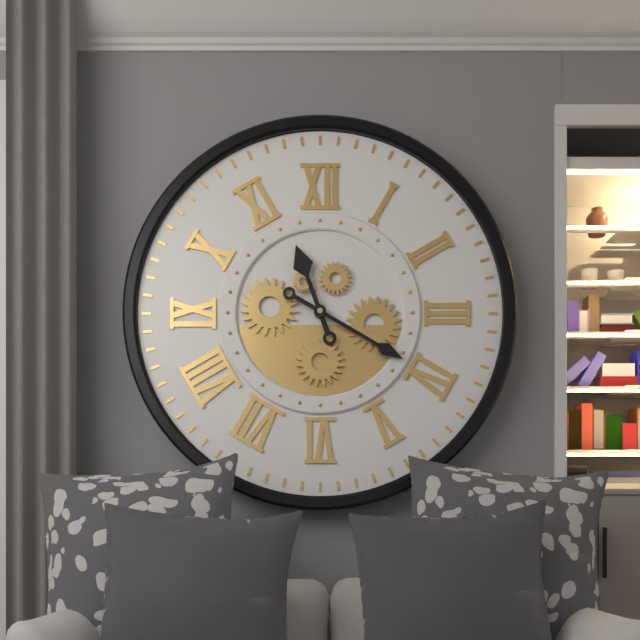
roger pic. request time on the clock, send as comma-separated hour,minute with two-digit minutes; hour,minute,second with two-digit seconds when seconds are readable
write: 11,20
